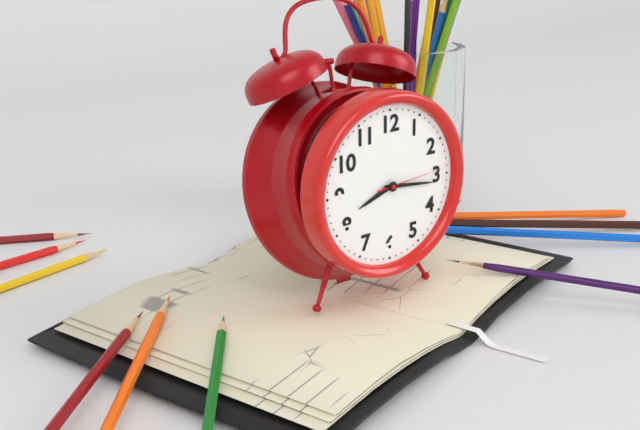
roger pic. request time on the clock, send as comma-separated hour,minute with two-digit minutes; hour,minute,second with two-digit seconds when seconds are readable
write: 8,16,14
